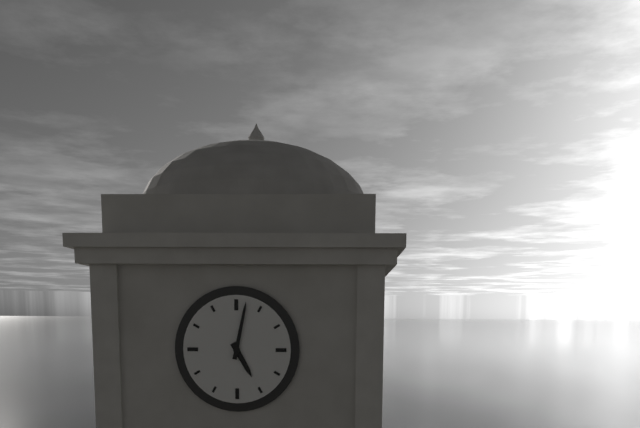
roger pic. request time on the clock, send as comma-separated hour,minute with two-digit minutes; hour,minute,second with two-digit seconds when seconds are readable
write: 5,02
